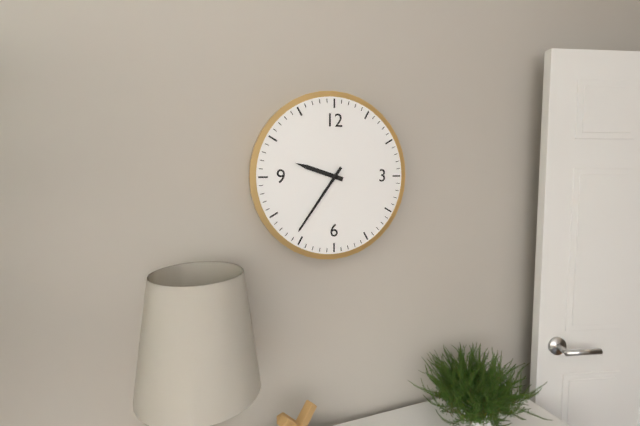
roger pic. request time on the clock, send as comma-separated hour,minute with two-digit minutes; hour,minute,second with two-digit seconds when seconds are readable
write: 9,36
